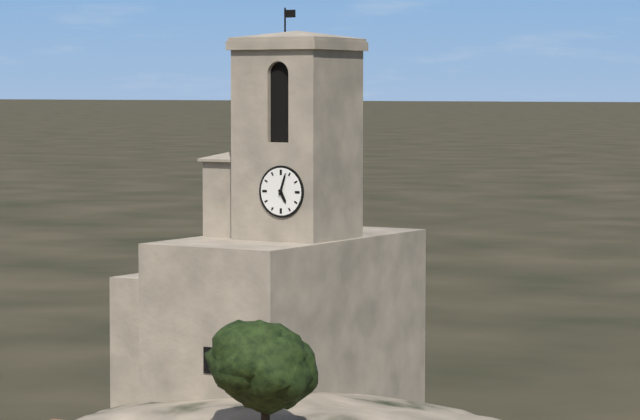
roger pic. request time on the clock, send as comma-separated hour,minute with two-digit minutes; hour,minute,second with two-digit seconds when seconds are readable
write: 5,03
